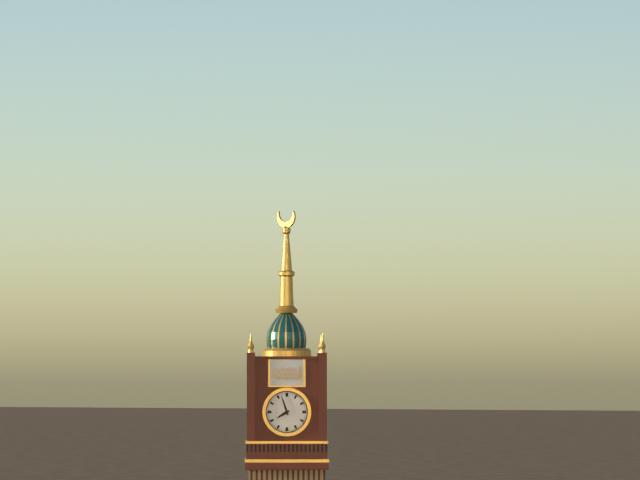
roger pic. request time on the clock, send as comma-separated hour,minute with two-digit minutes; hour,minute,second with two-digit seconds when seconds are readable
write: 7,57
